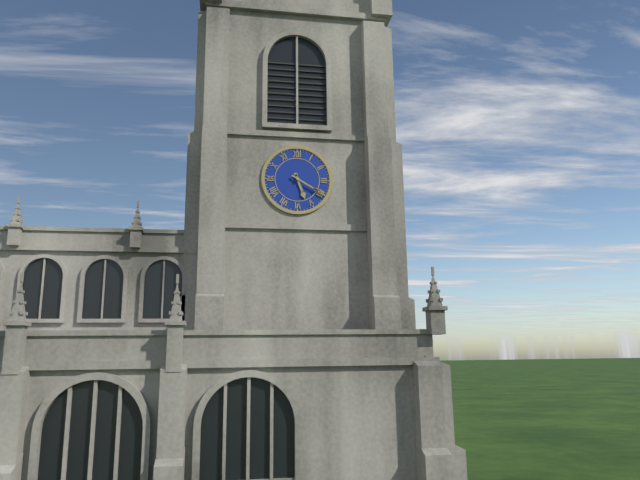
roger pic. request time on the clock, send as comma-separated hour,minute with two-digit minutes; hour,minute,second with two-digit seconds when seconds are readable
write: 5,20
